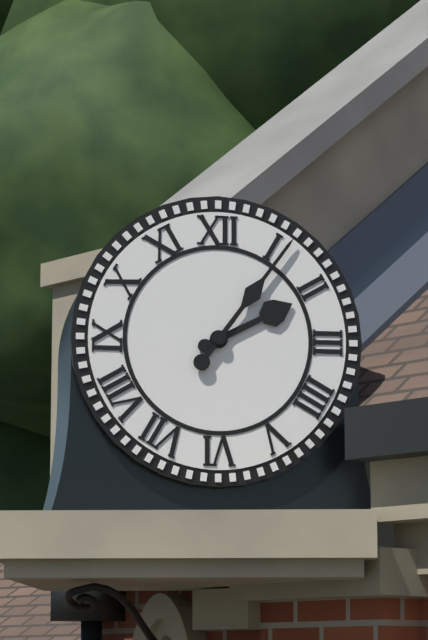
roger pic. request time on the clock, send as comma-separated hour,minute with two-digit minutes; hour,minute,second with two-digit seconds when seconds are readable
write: 2,06
